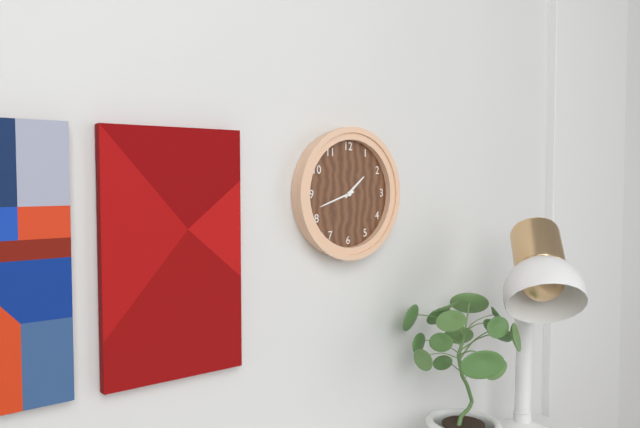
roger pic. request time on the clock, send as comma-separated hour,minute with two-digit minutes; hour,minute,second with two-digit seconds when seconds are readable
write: 1,42
